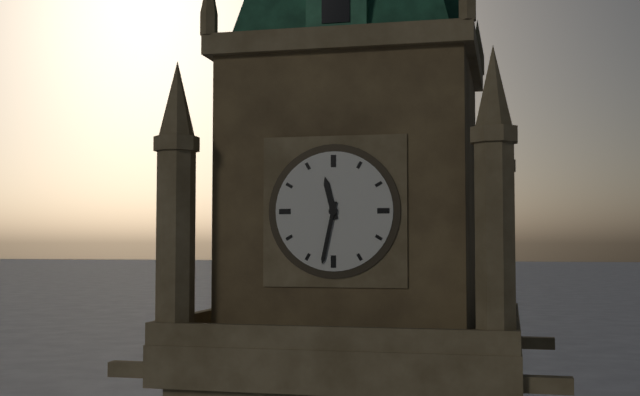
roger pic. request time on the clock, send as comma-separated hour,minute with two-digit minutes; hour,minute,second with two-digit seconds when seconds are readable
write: 11,32
